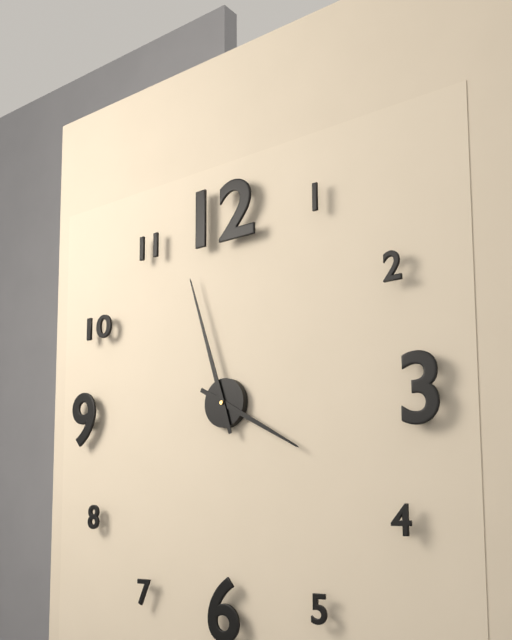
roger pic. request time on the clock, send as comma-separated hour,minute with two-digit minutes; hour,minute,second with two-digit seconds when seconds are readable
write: 3,57
